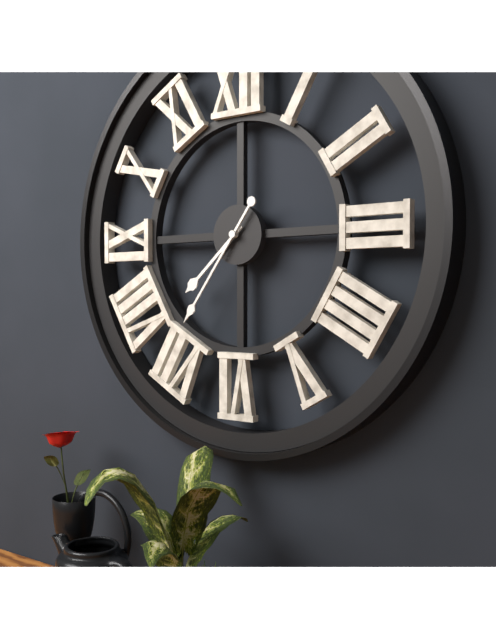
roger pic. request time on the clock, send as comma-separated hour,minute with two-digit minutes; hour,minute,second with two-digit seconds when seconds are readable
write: 7,36
